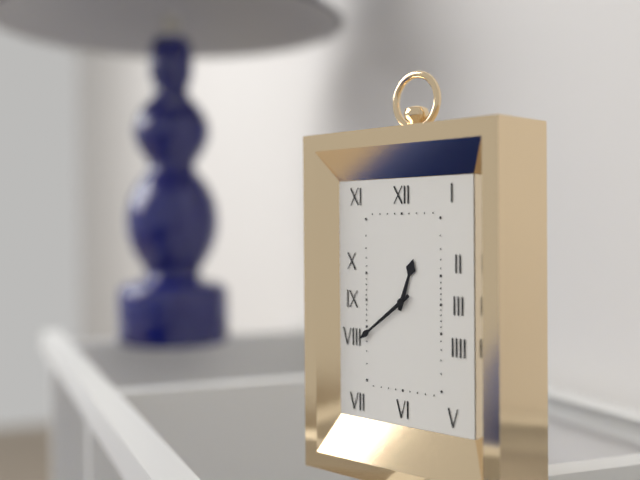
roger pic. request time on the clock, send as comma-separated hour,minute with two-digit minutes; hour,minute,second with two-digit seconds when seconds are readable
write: 12,39
